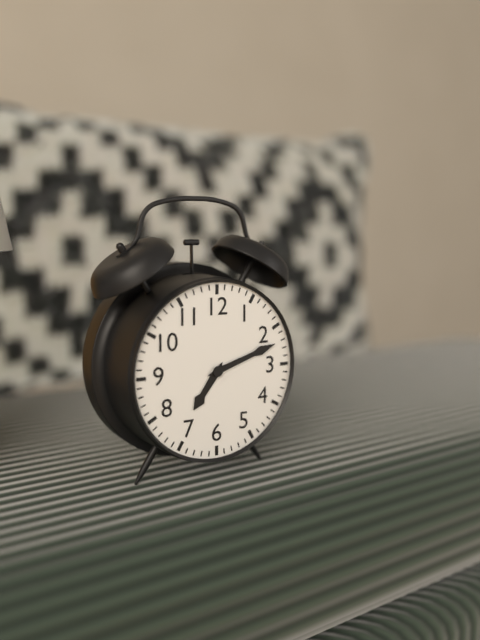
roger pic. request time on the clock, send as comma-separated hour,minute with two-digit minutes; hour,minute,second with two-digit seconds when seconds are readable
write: 7,12
